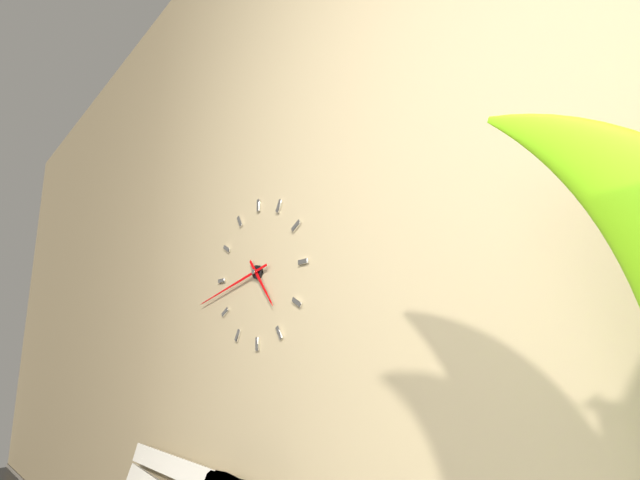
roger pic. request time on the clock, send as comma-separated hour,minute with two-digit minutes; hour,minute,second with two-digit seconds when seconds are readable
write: 4,43
